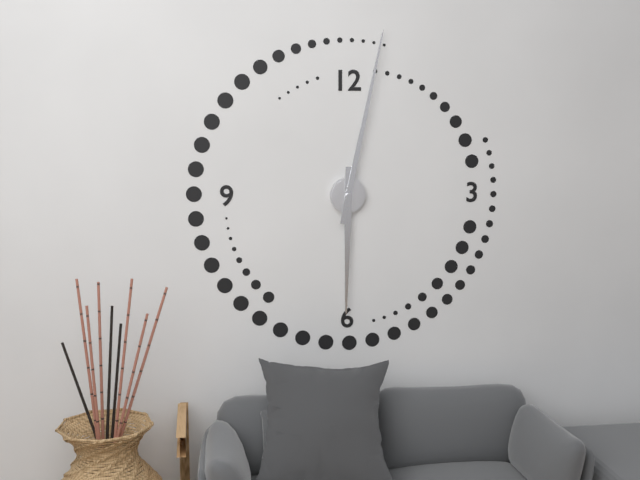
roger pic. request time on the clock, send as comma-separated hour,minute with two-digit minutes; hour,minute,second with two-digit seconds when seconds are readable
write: 6,02
